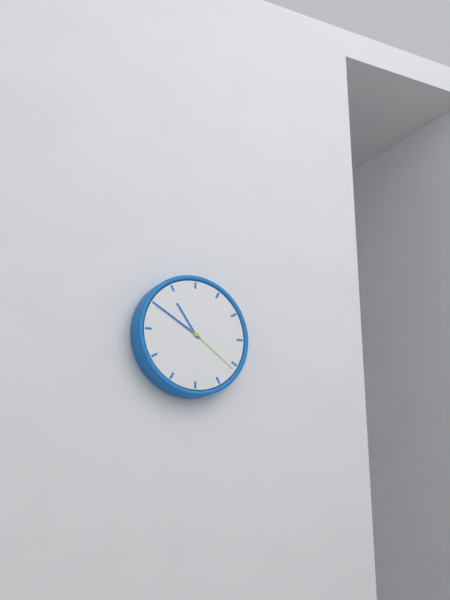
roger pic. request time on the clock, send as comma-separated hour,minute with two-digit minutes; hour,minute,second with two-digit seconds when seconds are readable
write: 10,50,21
